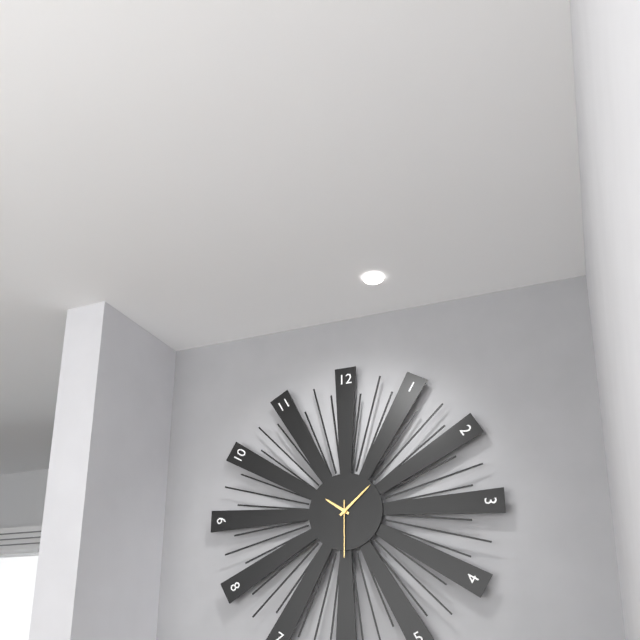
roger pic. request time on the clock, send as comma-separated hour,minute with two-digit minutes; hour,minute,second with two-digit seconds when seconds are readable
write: 10,08,30
